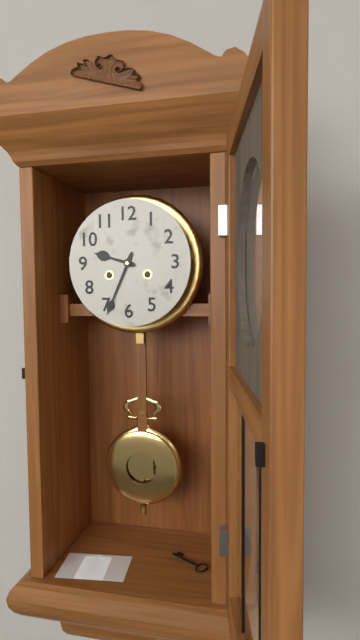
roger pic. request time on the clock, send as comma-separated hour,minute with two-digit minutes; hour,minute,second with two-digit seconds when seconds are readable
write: 9,34
